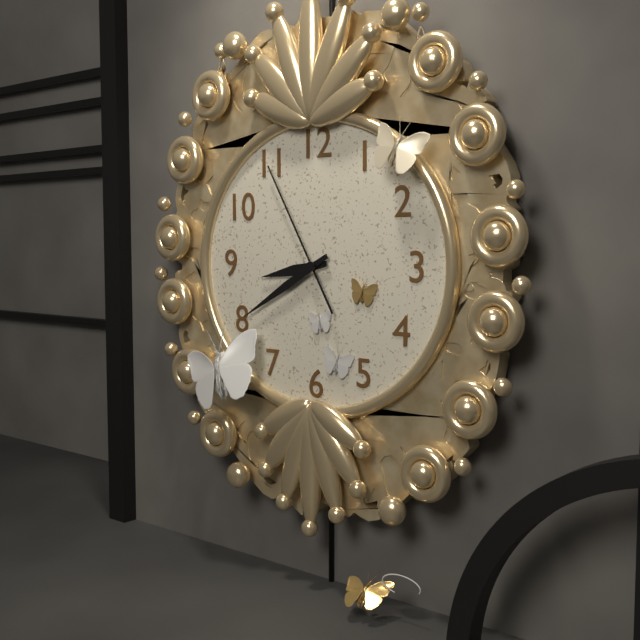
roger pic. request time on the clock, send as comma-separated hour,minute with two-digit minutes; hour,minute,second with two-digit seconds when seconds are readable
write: 8,40,55
